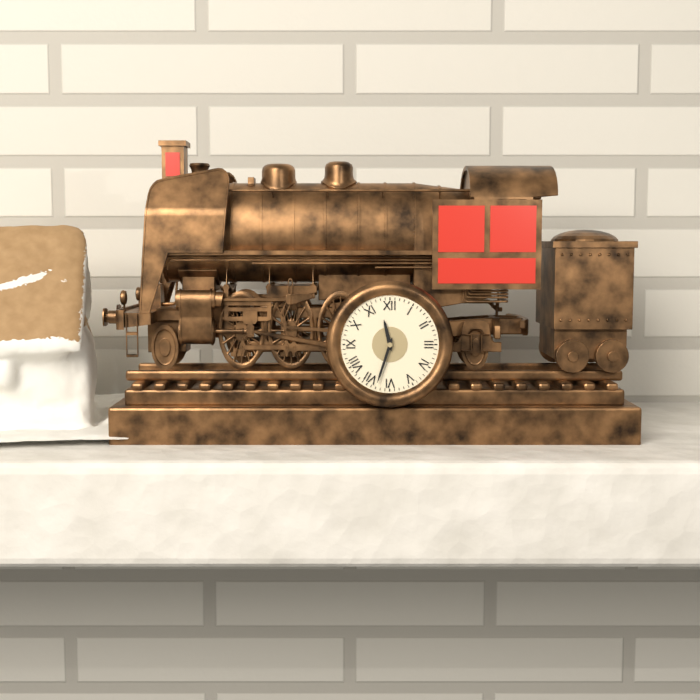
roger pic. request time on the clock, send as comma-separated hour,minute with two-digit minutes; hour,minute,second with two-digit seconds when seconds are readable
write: 11,33
